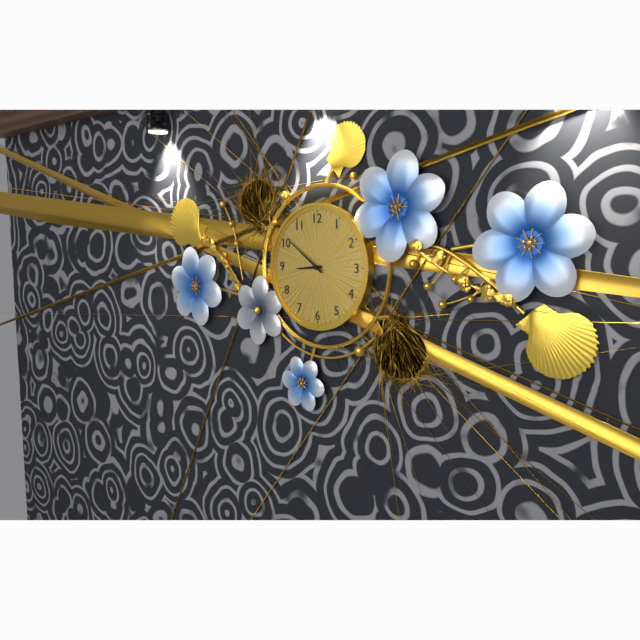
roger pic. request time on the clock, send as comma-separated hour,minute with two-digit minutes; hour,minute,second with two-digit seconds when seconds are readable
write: 8,51
